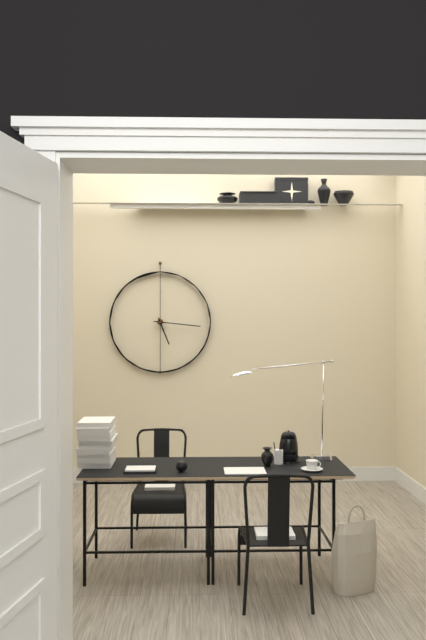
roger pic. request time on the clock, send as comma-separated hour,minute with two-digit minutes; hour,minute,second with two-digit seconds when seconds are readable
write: 5,16
